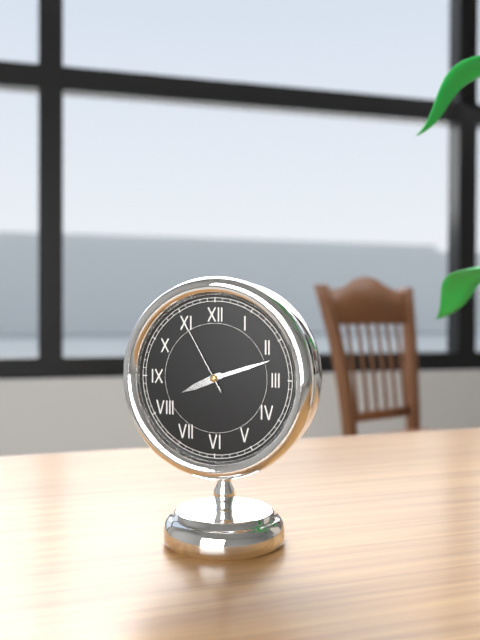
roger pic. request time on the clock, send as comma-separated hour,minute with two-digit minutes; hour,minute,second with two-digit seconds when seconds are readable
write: 8,12,55
